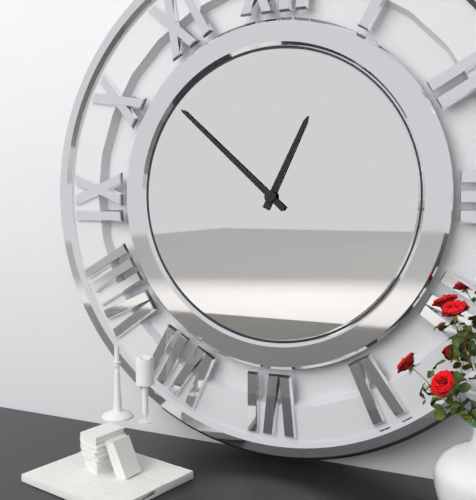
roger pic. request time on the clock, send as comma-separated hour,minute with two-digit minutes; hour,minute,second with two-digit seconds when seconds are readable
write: 12,52
